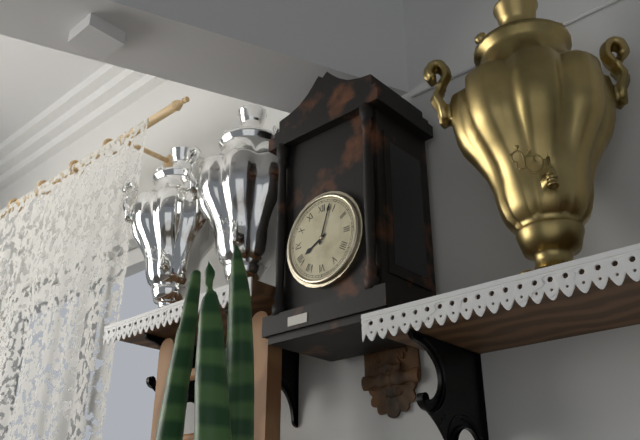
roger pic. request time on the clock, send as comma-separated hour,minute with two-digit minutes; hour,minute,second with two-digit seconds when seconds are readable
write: 8,03
